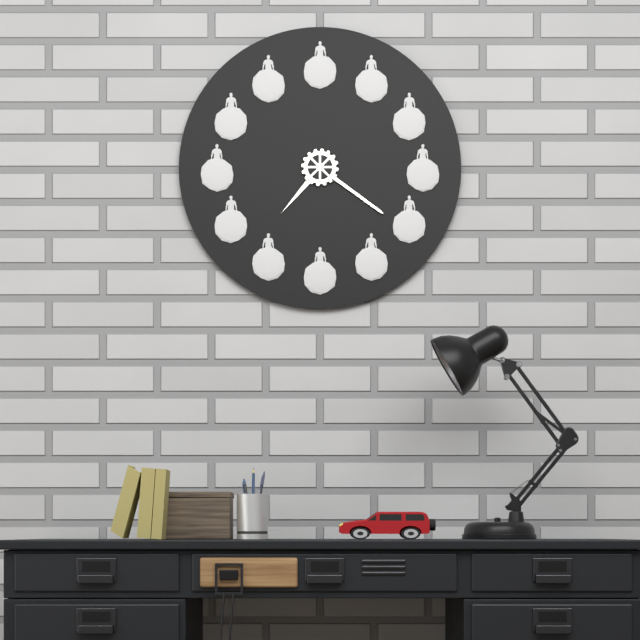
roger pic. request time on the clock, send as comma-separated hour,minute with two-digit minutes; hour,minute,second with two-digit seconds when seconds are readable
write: 7,21
